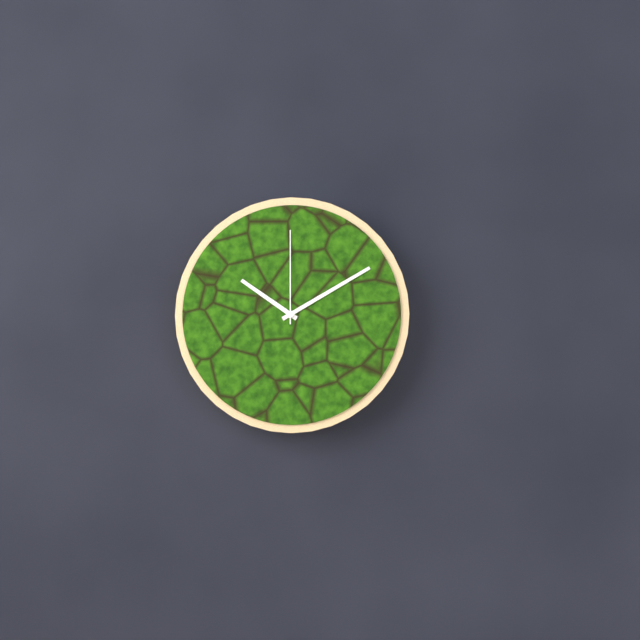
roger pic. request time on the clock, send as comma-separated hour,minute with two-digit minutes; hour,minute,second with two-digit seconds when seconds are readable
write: 10,10,00
